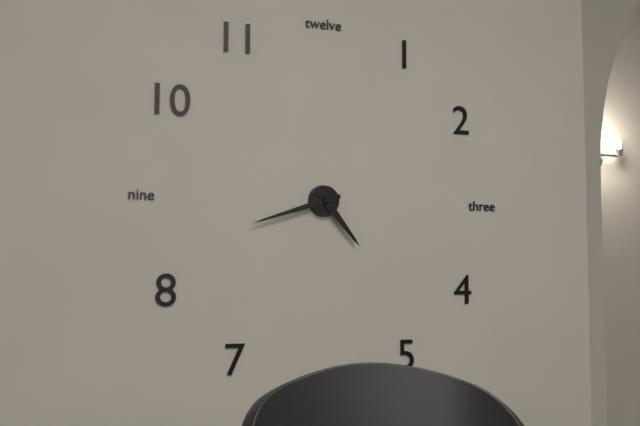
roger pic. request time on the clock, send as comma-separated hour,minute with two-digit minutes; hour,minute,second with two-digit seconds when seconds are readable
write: 4,42
